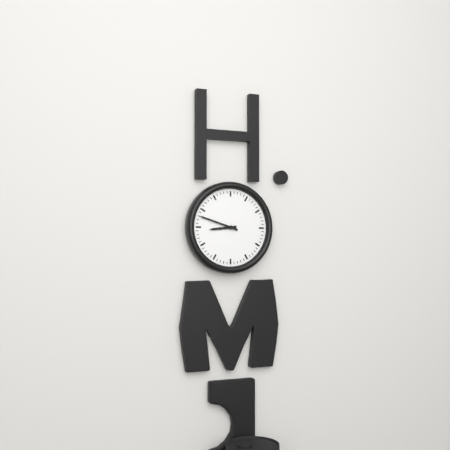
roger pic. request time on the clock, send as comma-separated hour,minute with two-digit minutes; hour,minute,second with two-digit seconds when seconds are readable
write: 8,48
